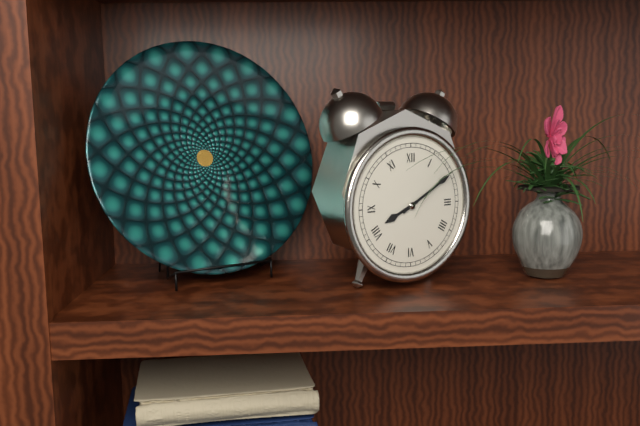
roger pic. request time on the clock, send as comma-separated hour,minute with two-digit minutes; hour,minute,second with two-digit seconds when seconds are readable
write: 8,10
